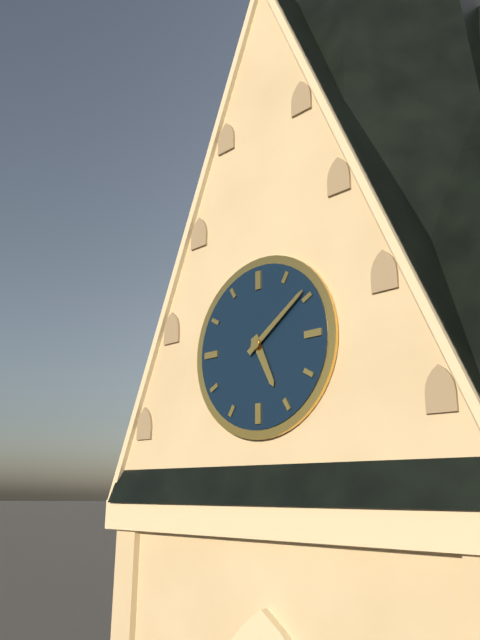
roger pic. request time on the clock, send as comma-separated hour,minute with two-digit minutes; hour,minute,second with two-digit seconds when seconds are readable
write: 5,09
